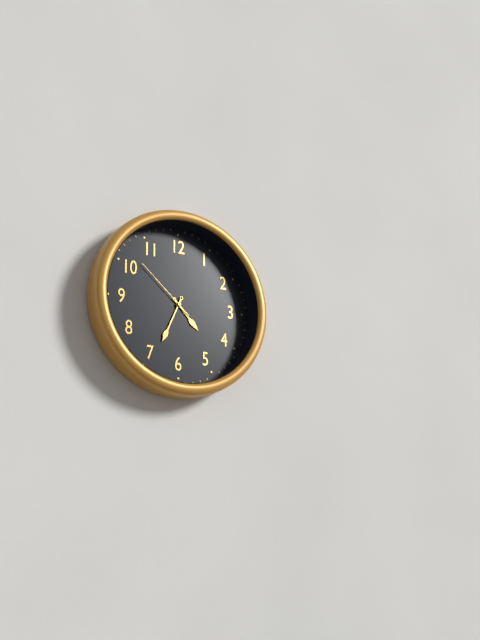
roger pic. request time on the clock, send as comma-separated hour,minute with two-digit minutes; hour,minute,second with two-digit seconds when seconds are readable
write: 4,34,52
